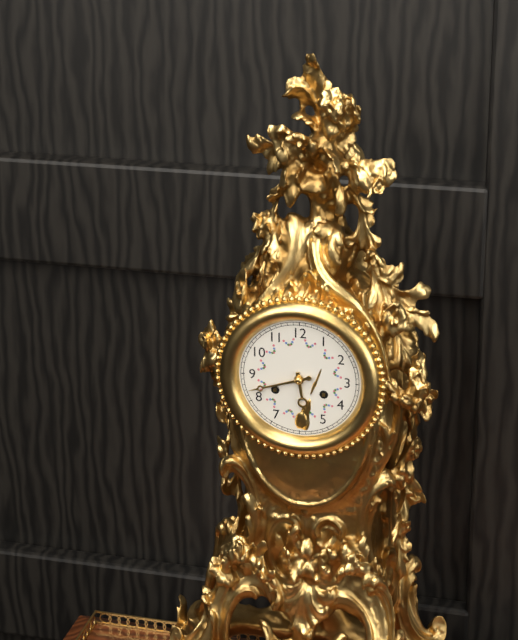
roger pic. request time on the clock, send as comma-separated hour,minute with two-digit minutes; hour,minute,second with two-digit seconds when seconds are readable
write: 5,42
